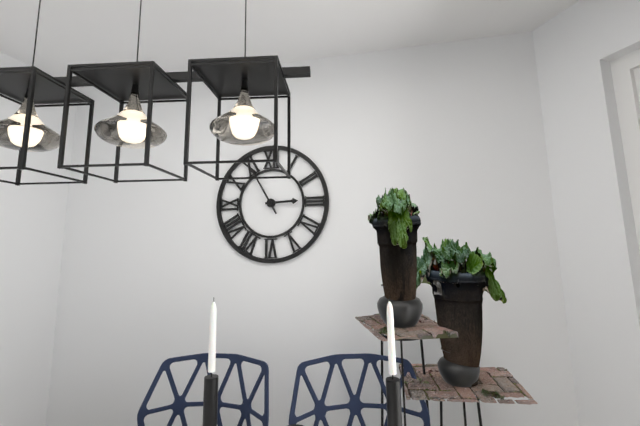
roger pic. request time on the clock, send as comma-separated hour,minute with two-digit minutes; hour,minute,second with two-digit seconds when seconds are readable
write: 2,55
